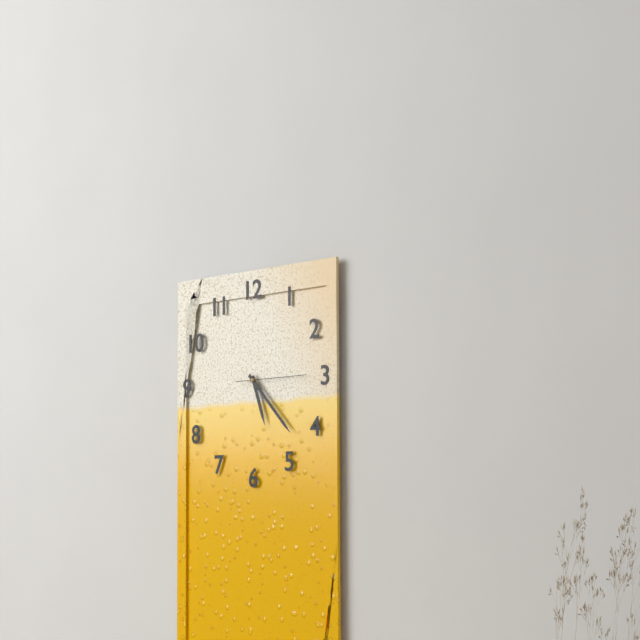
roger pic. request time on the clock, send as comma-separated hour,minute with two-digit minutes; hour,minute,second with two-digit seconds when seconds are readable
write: 5,23,15
